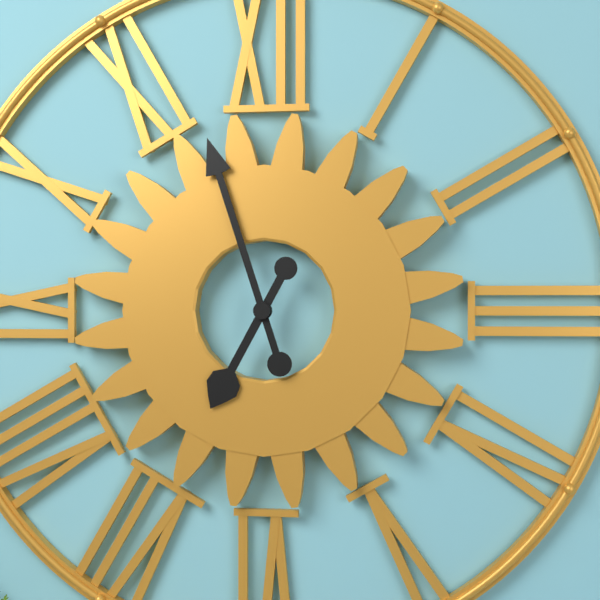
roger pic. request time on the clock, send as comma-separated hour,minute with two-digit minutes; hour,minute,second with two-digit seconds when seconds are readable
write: 6,57
